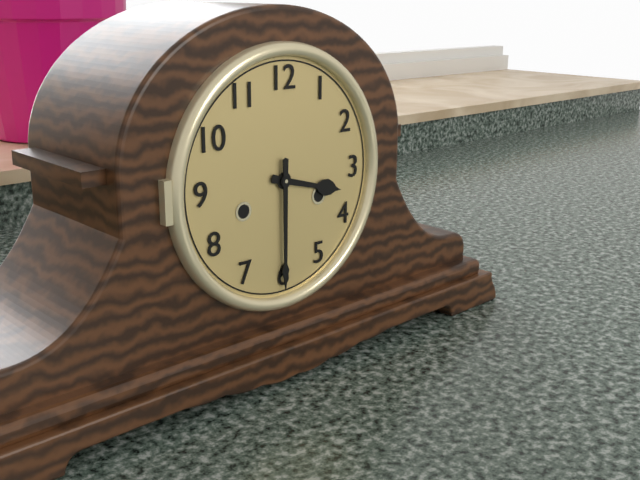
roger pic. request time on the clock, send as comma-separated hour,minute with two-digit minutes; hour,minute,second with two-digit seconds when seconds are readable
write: 3,30
